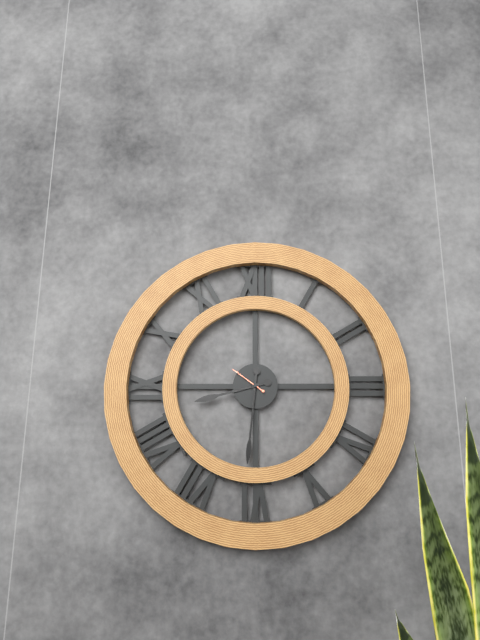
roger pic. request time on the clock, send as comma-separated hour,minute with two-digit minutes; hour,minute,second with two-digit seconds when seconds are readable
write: 8,31
